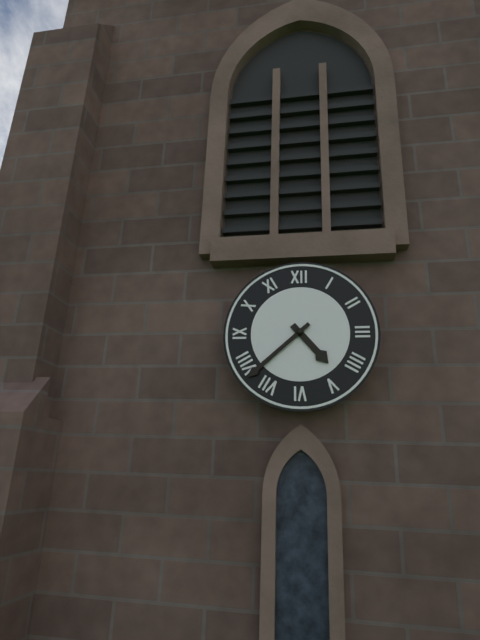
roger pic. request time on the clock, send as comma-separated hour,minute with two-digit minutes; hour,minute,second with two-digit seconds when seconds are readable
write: 4,38
